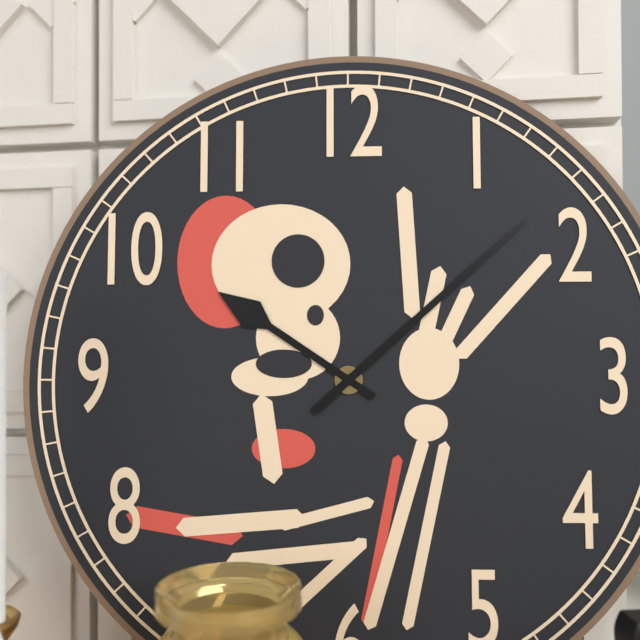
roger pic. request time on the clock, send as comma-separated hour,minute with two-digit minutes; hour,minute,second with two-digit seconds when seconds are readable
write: 10,08
